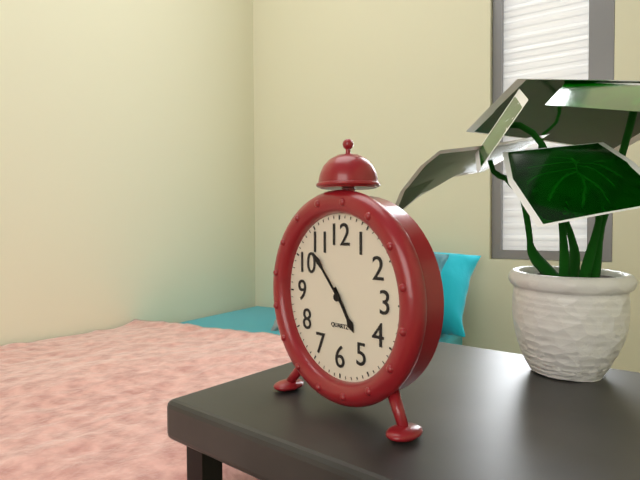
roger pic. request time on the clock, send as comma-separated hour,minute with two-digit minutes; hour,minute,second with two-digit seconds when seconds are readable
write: 4,53
